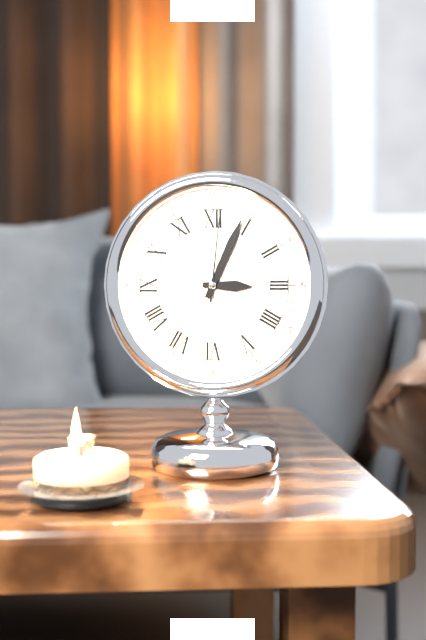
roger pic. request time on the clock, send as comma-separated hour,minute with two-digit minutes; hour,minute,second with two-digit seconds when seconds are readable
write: 3,04,01
